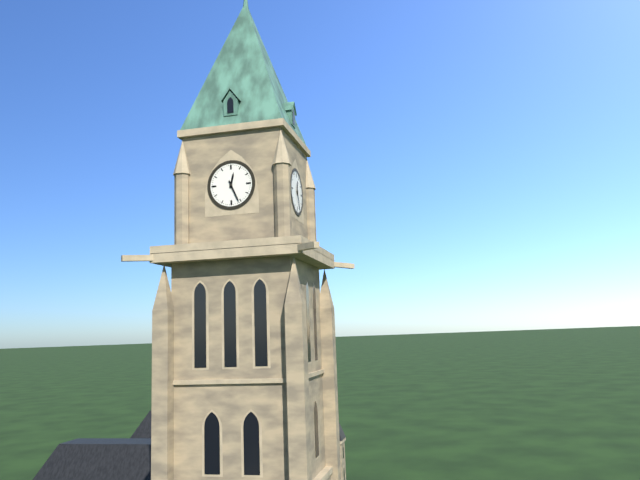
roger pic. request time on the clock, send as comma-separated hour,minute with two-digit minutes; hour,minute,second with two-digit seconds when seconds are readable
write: 12,26
